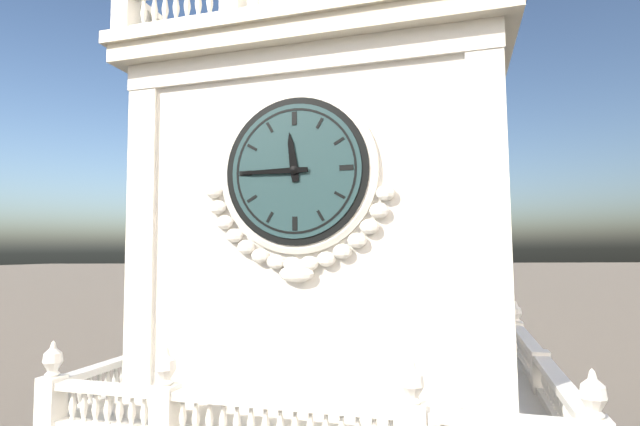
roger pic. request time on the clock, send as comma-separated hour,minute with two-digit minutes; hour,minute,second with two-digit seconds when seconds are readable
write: 11,45
